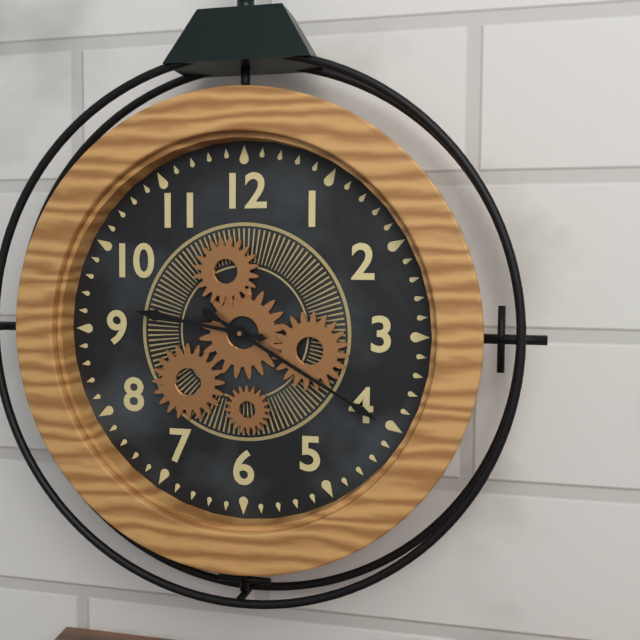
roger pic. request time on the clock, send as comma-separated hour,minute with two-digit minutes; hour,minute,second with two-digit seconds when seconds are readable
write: 9,20
